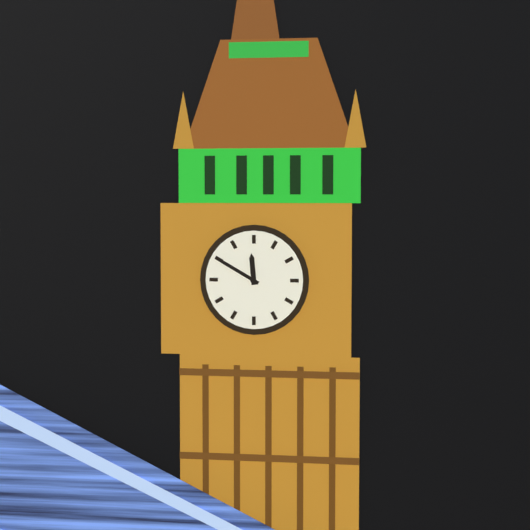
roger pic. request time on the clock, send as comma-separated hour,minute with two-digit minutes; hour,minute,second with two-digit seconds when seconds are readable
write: 11,50
